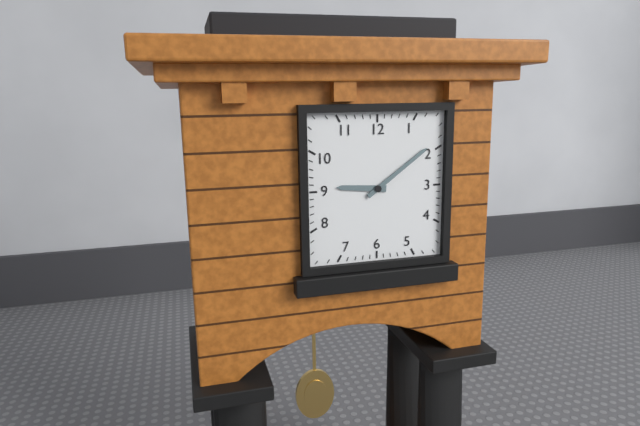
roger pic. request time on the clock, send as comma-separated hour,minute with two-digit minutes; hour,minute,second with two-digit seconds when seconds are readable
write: 9,09
